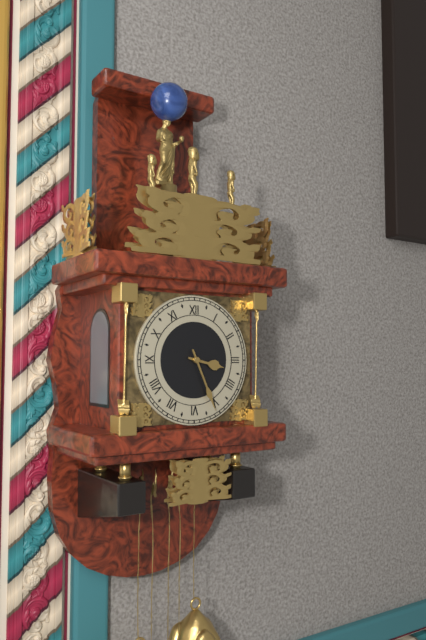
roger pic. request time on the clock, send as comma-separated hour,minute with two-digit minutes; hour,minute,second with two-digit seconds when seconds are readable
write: 3,26
